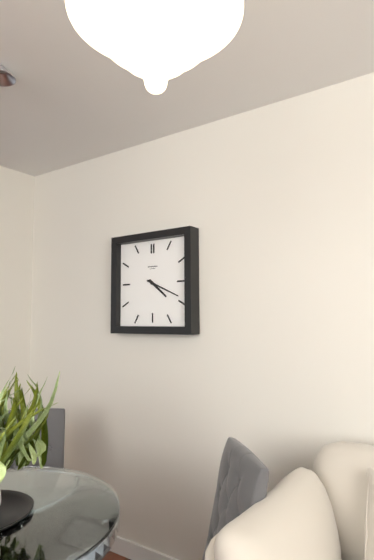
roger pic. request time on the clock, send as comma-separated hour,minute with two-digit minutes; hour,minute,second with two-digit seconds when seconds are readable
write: 4,19
